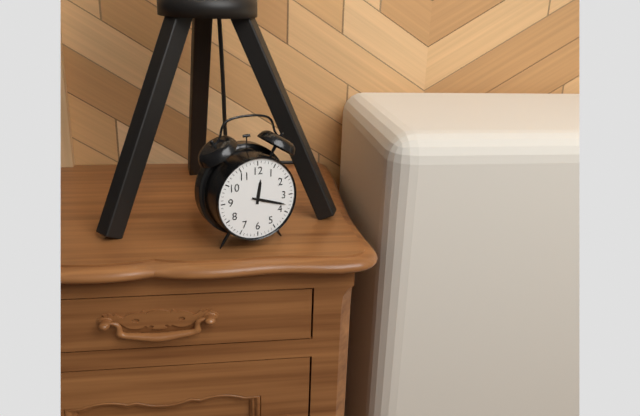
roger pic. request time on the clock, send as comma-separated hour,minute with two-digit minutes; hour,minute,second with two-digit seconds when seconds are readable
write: 12,18
